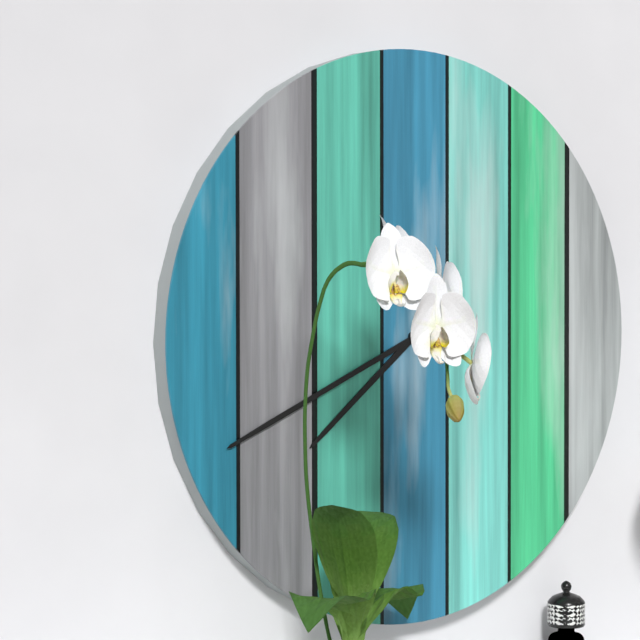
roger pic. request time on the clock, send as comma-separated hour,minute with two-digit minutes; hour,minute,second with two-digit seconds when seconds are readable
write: 7,41
